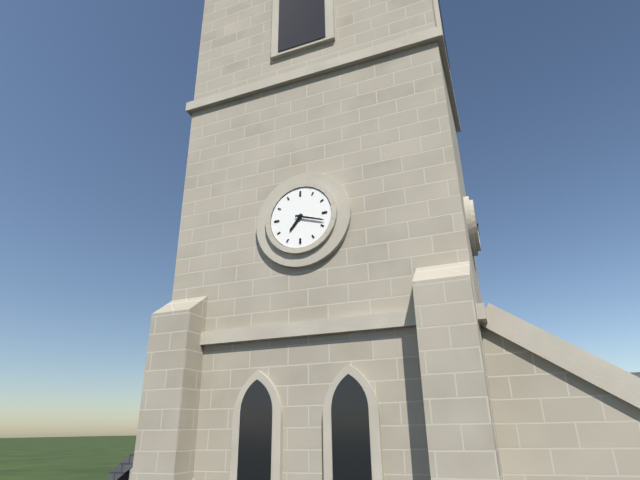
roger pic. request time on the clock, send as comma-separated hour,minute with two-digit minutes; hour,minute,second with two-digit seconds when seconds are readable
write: 7,18
